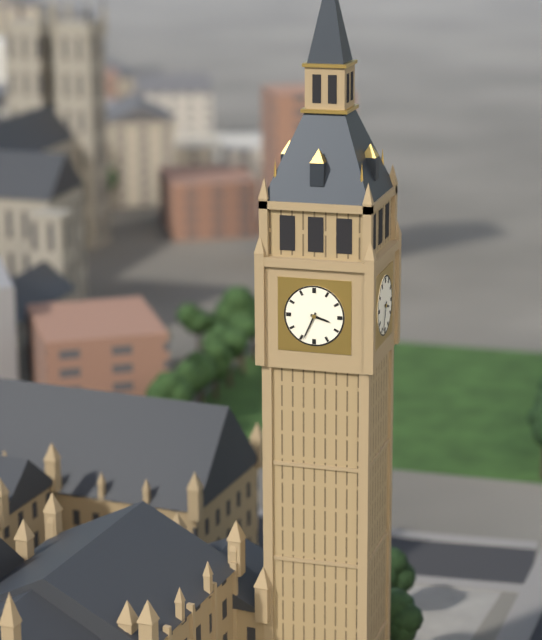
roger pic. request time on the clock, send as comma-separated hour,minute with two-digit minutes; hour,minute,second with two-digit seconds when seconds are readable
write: 3,34
